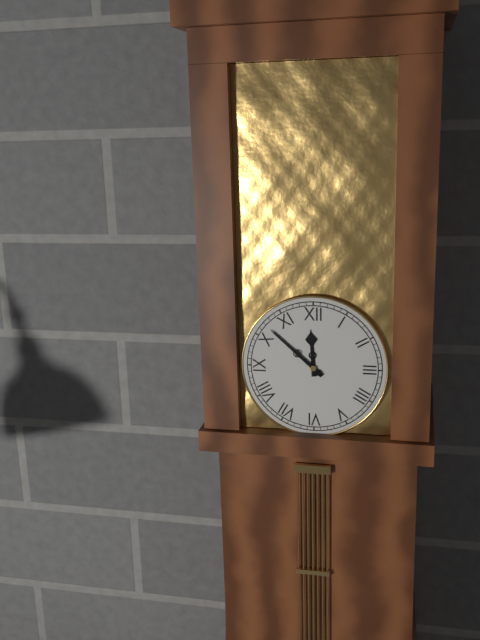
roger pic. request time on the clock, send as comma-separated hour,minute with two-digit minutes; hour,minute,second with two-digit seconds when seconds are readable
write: 11,52
